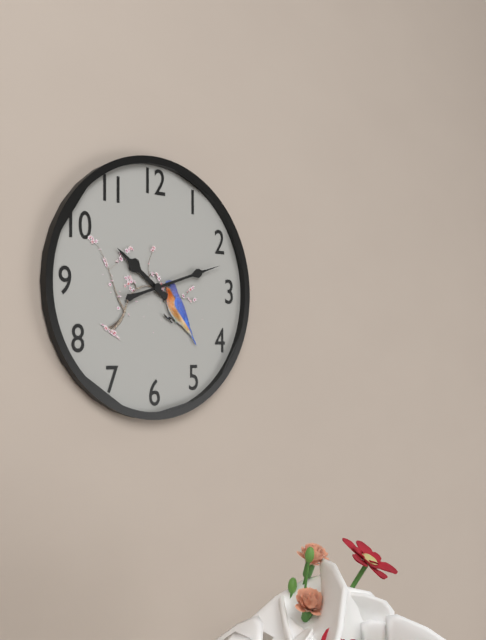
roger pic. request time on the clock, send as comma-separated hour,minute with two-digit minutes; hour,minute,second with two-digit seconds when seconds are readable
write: 10,12
